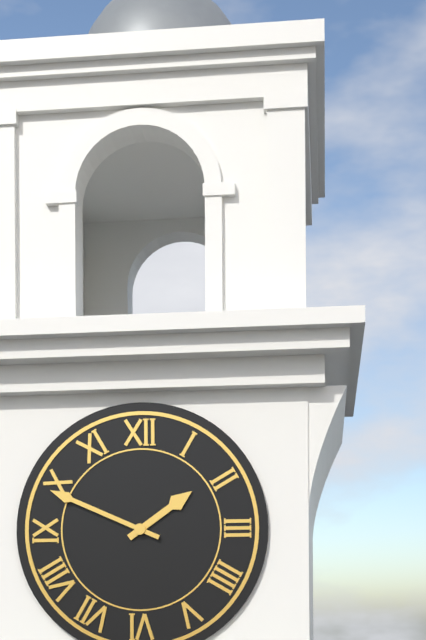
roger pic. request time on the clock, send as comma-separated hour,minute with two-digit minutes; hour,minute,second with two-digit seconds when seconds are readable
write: 1,49
